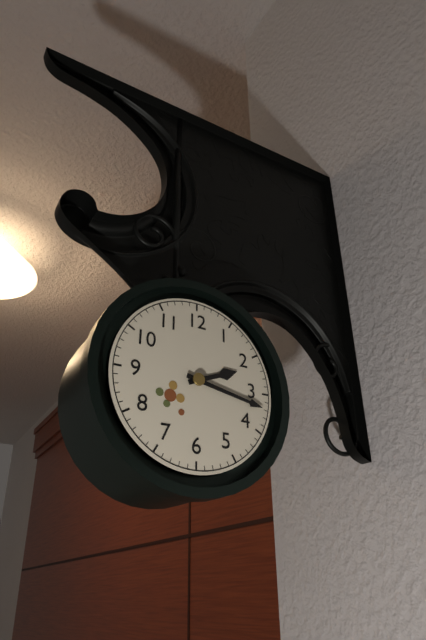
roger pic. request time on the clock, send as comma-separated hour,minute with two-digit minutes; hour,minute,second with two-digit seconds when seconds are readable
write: 2,17
